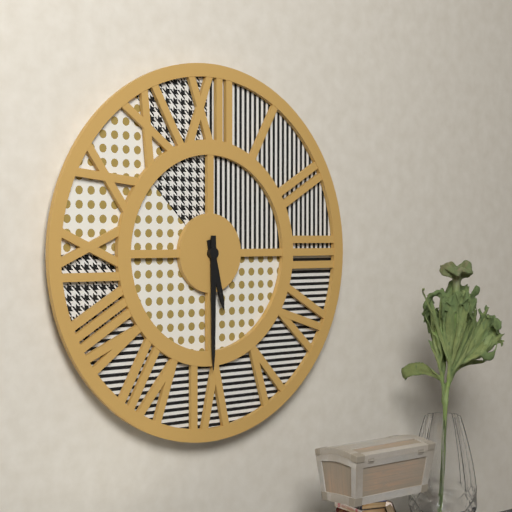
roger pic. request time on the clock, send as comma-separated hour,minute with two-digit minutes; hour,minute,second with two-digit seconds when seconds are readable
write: 5,30
